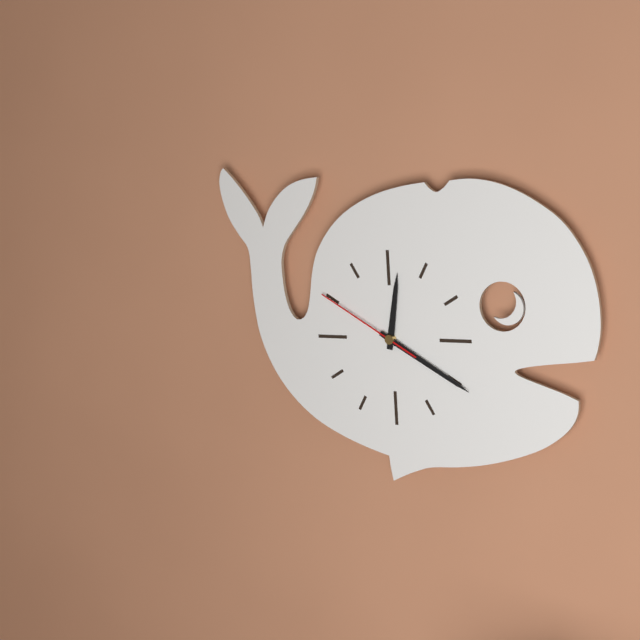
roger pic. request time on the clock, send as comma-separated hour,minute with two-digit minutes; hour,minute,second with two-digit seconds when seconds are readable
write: 12,20,50
